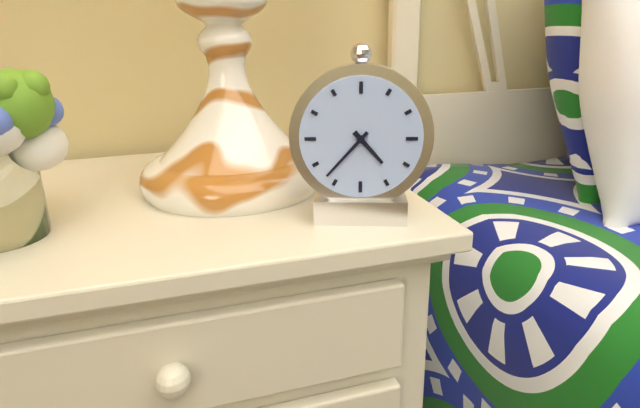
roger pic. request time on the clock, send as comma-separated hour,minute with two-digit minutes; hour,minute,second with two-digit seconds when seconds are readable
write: 4,37
